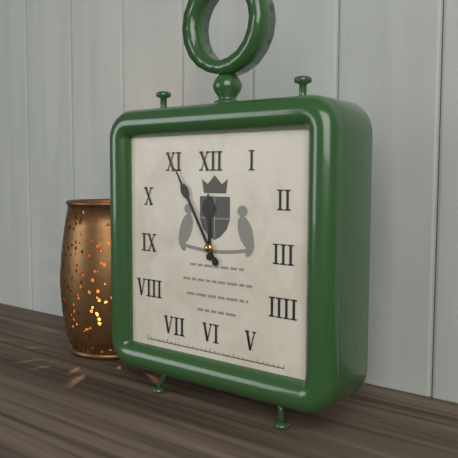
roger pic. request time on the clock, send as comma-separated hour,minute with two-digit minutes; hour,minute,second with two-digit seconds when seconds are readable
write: 11,55
